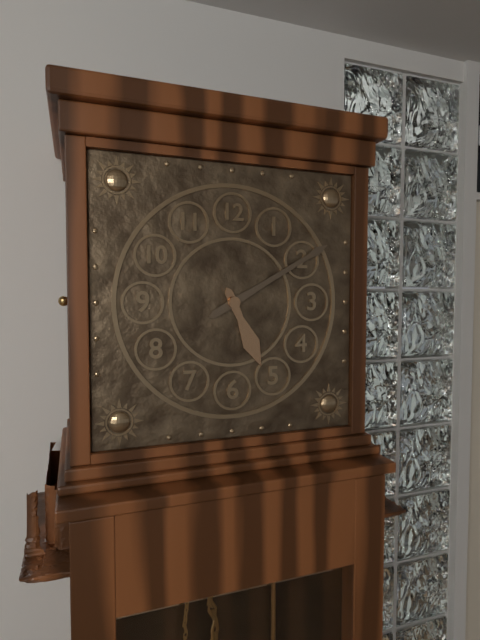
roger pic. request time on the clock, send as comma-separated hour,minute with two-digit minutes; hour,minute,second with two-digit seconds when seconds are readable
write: 5,10
